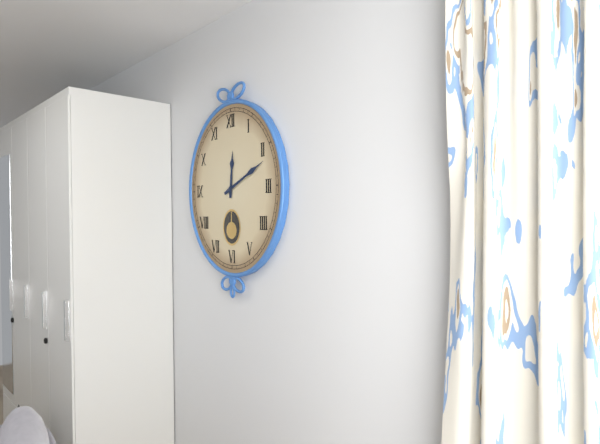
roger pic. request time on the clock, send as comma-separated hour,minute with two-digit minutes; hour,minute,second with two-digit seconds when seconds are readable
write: 12,11
